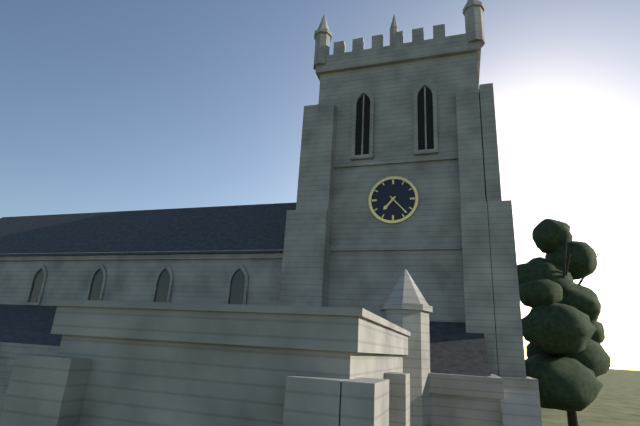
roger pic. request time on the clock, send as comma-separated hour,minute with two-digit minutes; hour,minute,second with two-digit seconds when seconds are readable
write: 7,23
